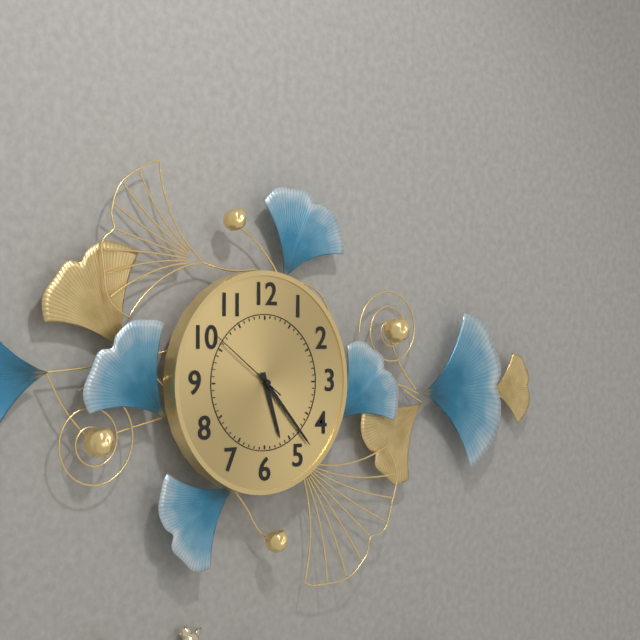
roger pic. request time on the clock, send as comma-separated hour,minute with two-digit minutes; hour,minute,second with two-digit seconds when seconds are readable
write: 5,23,51
